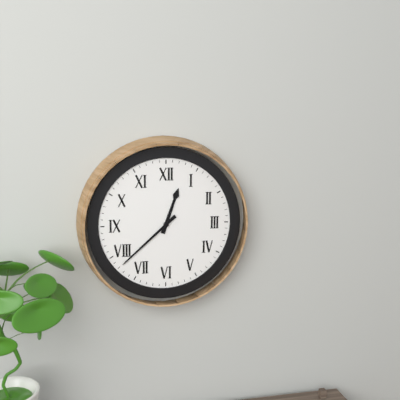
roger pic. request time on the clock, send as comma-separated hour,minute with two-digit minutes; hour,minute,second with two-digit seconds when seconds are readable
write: 12,38
